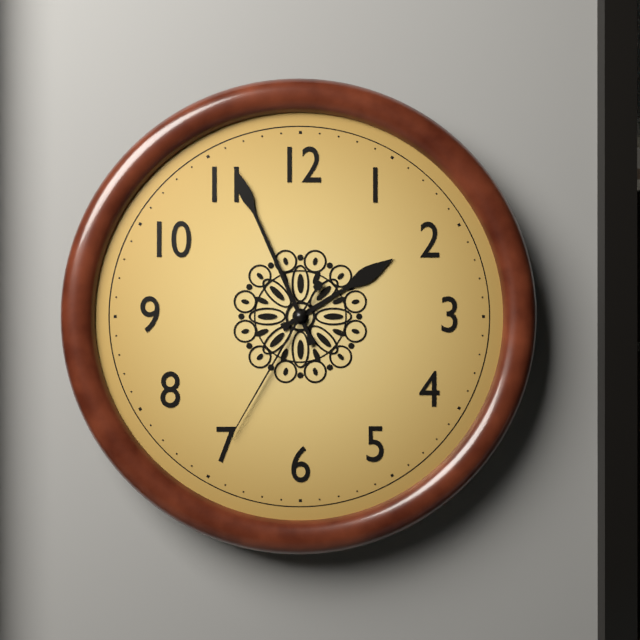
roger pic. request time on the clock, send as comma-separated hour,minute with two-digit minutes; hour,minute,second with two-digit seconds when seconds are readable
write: 1,56,35
